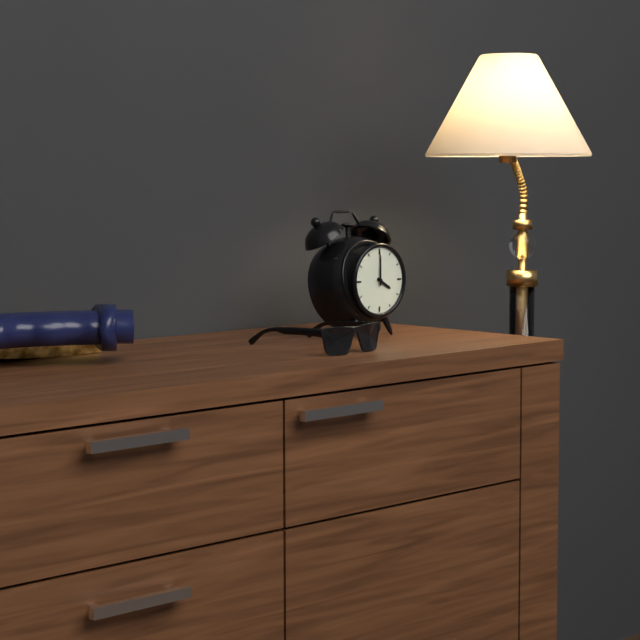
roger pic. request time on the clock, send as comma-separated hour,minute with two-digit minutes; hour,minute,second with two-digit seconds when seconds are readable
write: 4,00
